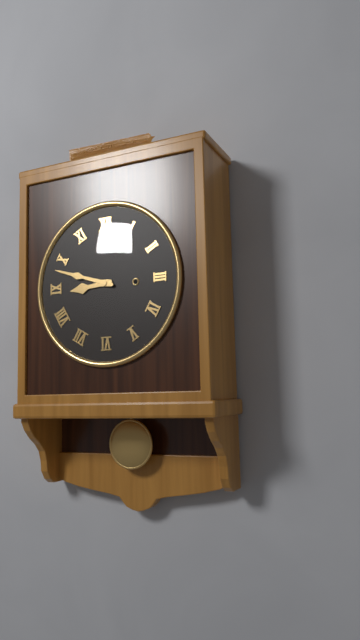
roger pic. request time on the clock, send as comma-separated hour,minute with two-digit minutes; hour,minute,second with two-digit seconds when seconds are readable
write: 8,48
